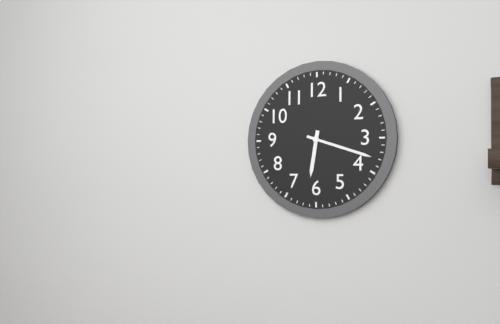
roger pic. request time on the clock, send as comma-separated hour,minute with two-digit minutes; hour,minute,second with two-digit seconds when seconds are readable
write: 6,18
